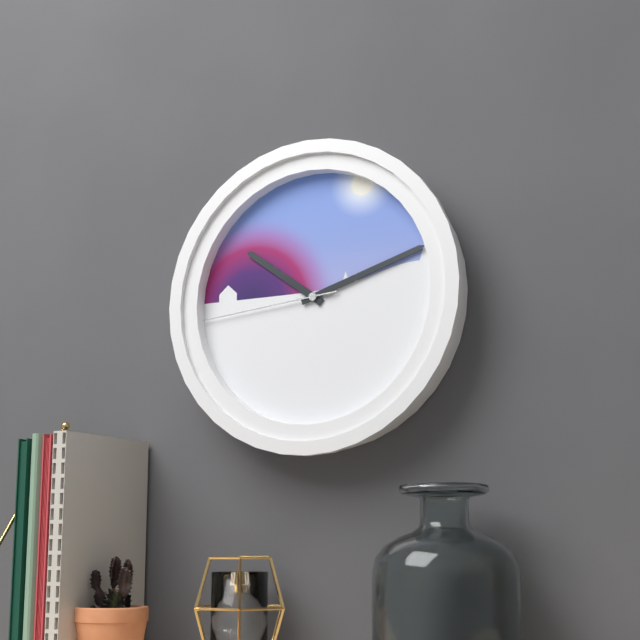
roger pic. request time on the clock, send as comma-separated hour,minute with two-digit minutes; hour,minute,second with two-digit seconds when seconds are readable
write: 10,12,44
